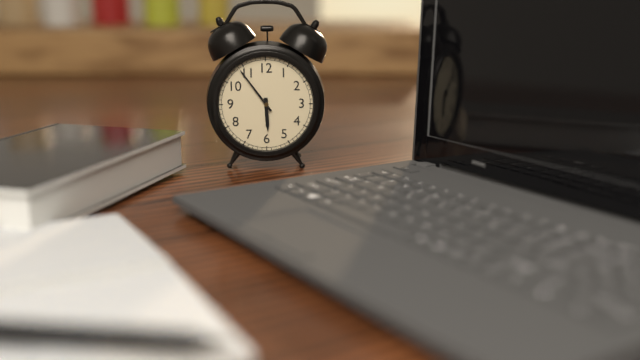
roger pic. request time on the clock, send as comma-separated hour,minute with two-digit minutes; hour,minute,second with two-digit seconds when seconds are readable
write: 5,54
